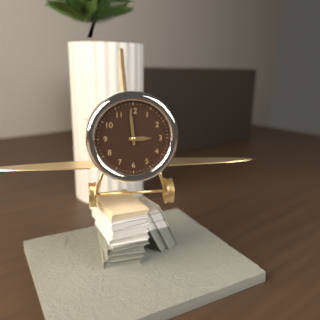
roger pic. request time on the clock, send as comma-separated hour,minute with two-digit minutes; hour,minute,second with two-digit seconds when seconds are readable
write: 2,59
